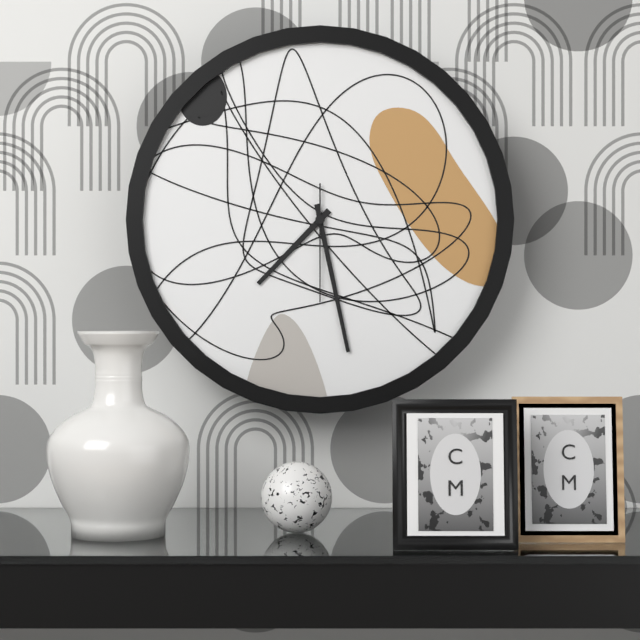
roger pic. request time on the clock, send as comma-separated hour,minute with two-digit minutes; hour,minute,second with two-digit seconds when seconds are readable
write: 7,28,30
